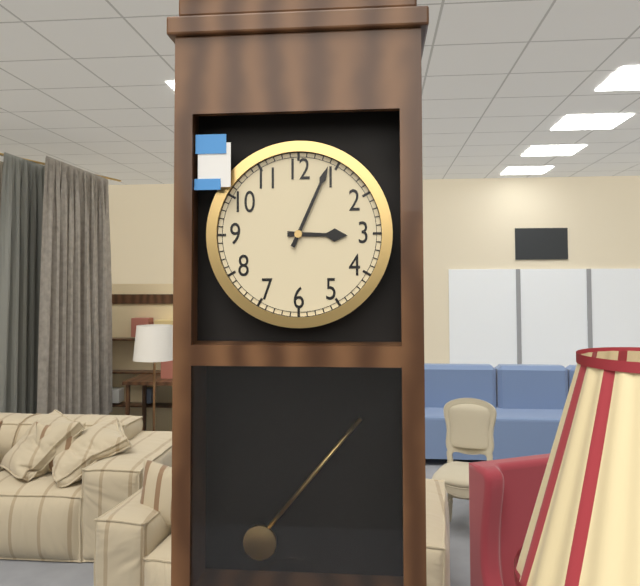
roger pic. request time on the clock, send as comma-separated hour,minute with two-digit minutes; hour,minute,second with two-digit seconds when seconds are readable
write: 3,04
